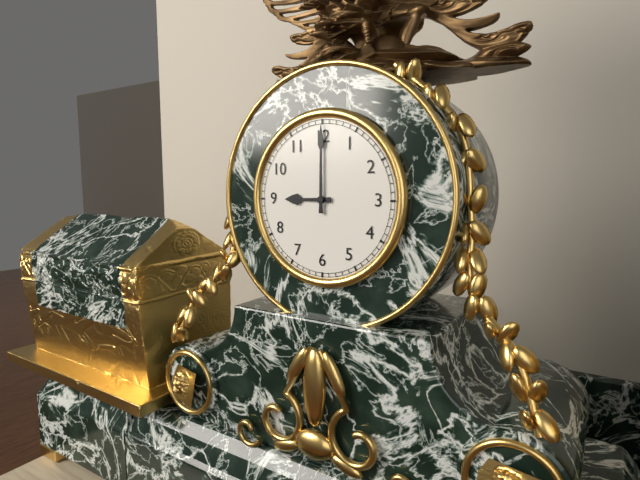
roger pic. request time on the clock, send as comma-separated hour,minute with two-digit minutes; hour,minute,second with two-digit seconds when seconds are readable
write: 9,00
